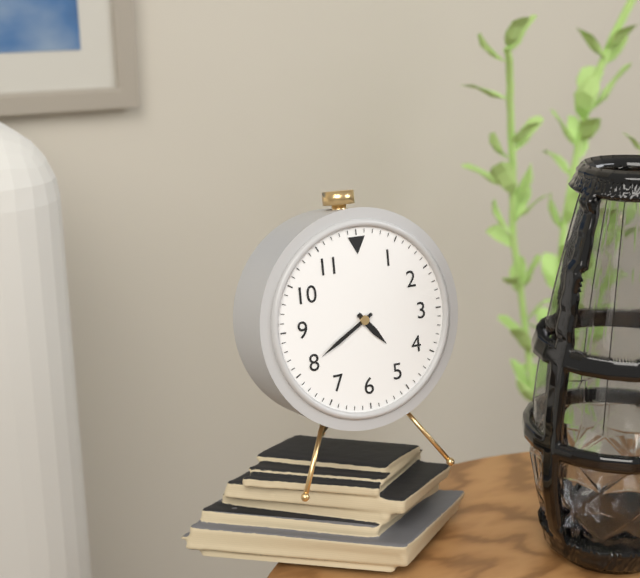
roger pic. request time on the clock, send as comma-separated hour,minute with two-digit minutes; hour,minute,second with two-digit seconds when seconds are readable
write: 4,40
